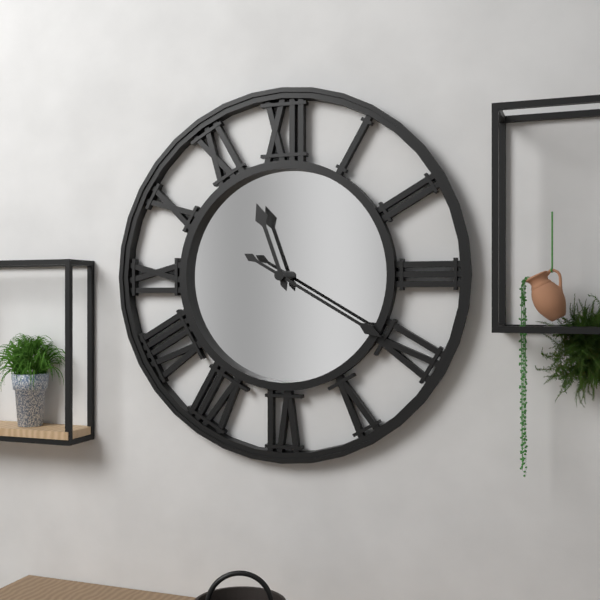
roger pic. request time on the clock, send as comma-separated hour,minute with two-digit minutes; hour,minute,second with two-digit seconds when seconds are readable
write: 11,20
